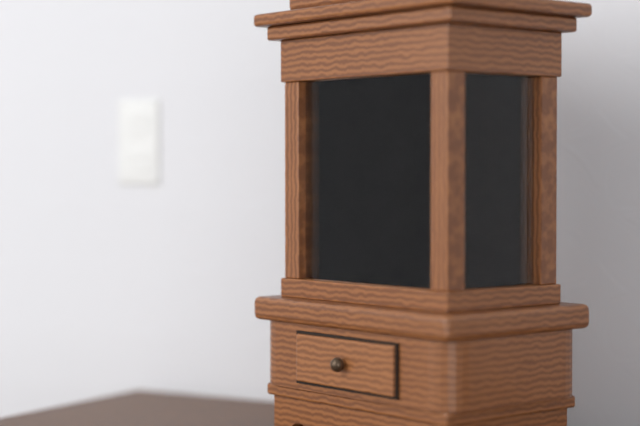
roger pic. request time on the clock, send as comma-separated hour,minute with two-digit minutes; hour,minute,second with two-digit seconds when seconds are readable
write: 8,24
